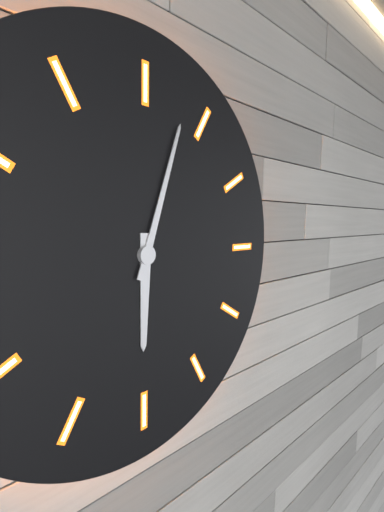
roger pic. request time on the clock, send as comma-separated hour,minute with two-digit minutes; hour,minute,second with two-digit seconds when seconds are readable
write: 6,03
